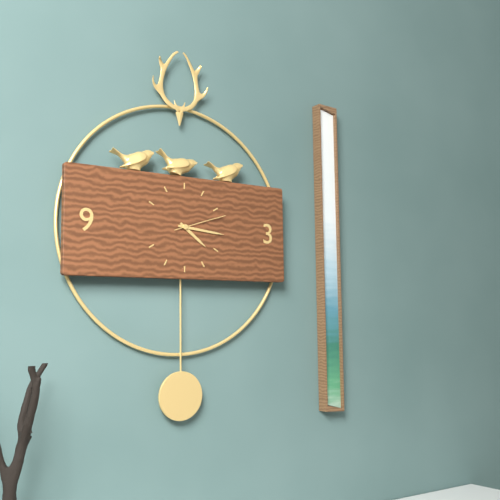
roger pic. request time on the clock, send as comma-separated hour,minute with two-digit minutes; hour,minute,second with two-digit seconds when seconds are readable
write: 4,16,12
